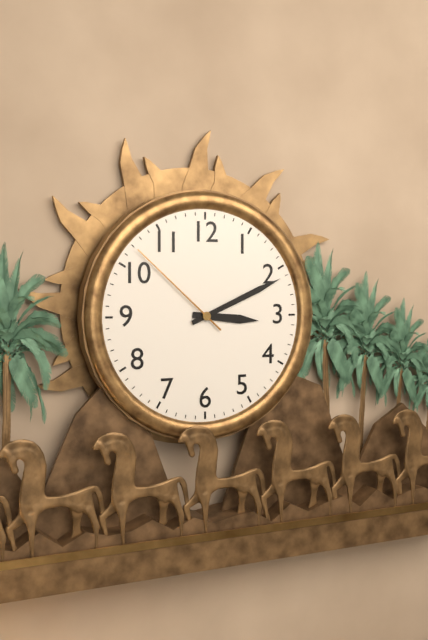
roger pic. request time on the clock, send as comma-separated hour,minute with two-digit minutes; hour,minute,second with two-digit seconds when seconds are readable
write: 3,11,52
